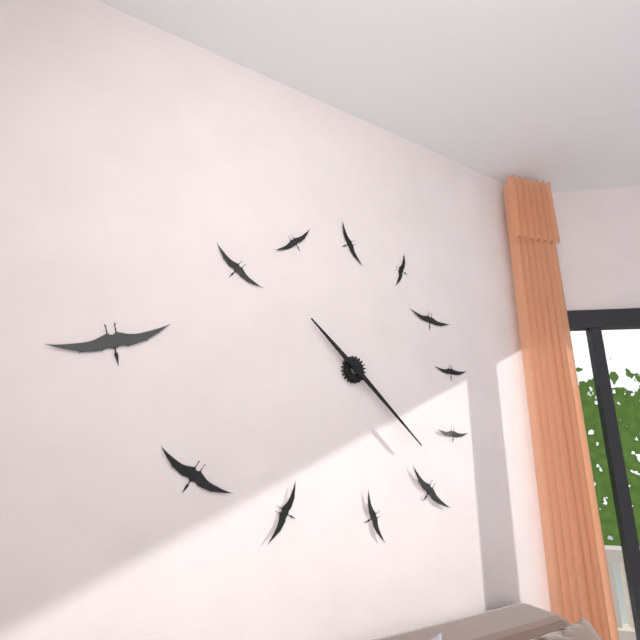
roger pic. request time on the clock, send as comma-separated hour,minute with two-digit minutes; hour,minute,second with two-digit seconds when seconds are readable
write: 10,22
